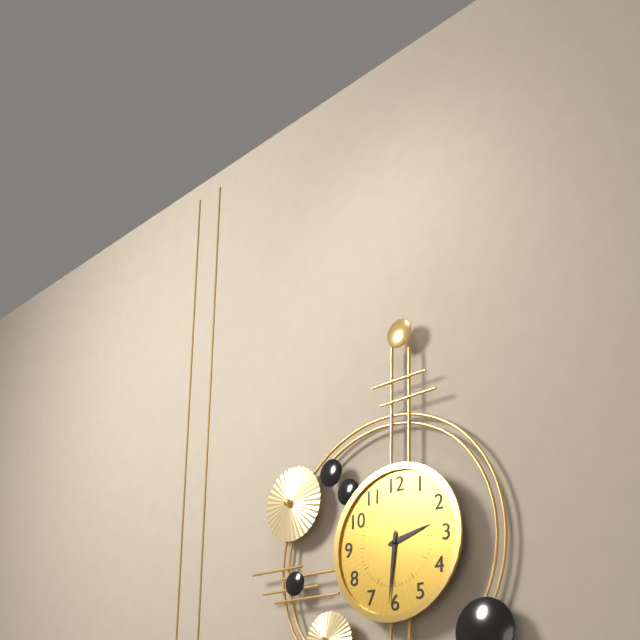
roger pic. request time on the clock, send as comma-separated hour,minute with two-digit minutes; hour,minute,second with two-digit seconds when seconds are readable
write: 2,31
